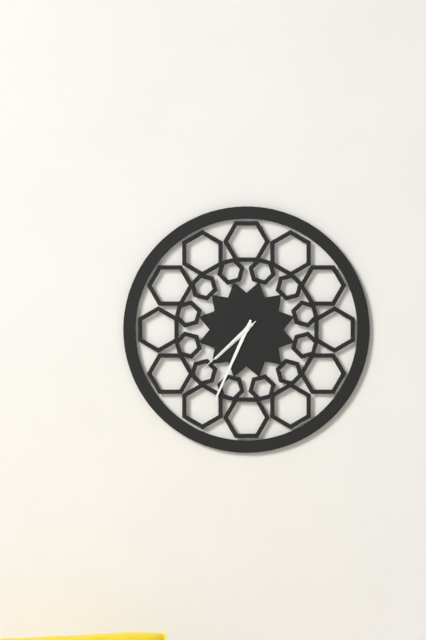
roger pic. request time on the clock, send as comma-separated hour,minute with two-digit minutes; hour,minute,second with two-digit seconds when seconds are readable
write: 7,34,38
